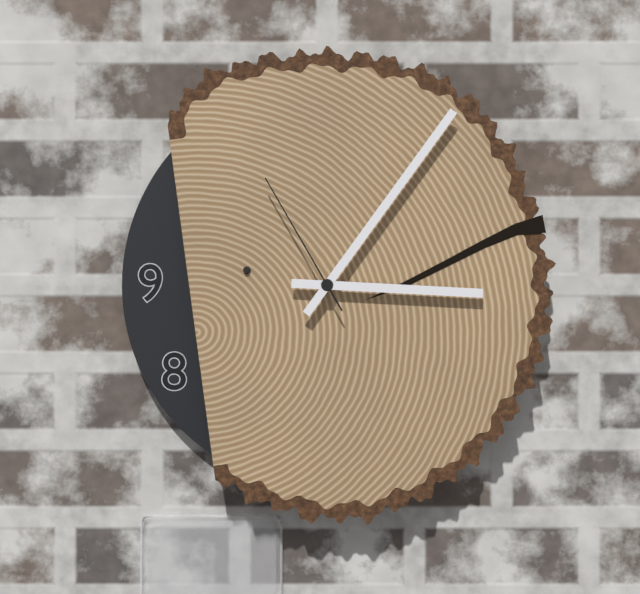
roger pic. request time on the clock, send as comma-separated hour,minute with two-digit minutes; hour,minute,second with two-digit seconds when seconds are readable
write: 3,06,55
